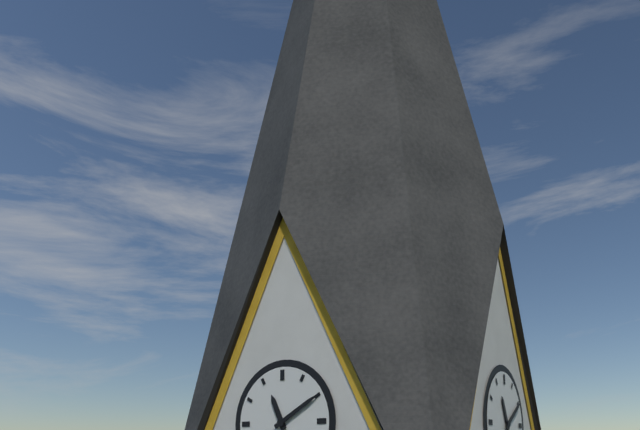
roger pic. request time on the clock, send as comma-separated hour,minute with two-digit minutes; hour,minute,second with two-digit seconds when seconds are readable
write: 11,10
